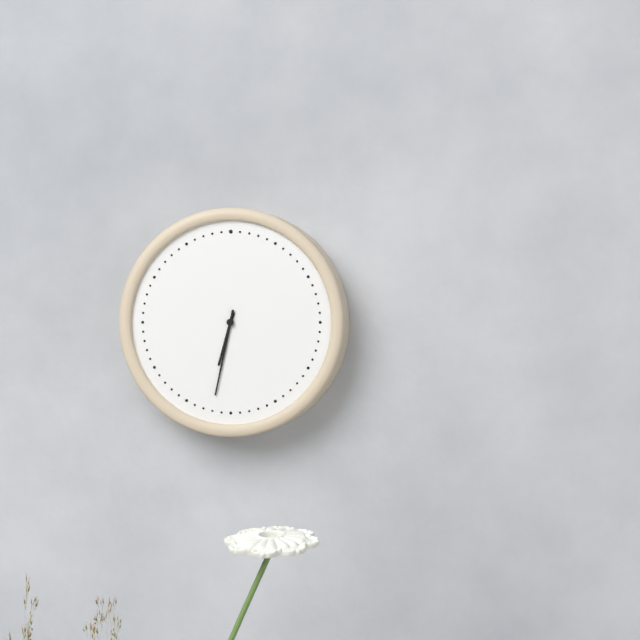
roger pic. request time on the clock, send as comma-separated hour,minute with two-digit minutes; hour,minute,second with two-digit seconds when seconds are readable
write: 6,32
